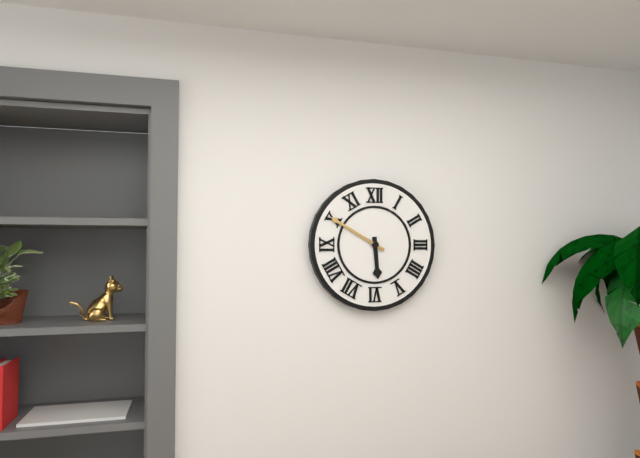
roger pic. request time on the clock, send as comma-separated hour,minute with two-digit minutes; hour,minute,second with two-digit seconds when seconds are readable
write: 5,50
